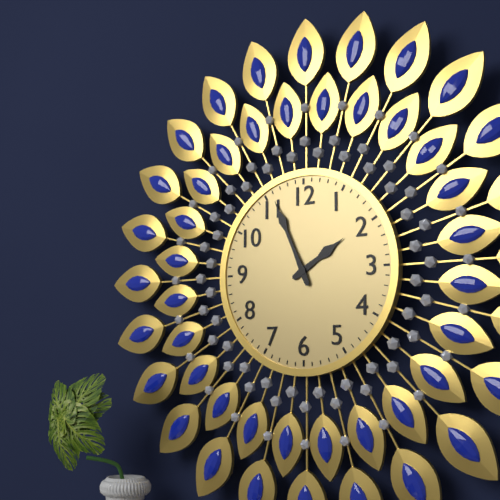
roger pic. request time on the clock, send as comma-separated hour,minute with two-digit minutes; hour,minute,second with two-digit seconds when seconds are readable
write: 1,56
